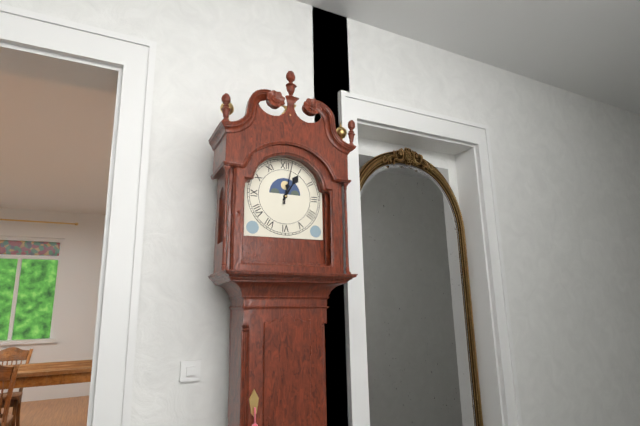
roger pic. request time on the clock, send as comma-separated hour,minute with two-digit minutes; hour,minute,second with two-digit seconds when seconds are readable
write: 1,02
